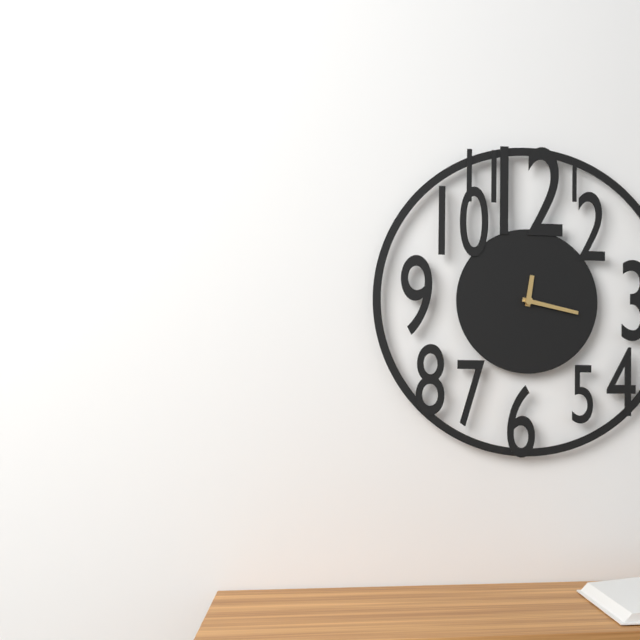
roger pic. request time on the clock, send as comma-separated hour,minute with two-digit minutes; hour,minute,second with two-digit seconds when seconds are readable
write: 12,17
